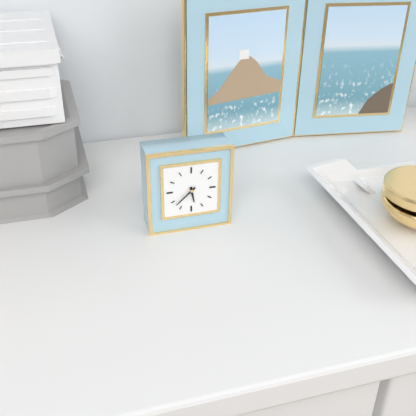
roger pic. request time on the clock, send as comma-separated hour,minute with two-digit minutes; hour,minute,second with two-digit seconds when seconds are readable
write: 5,38
